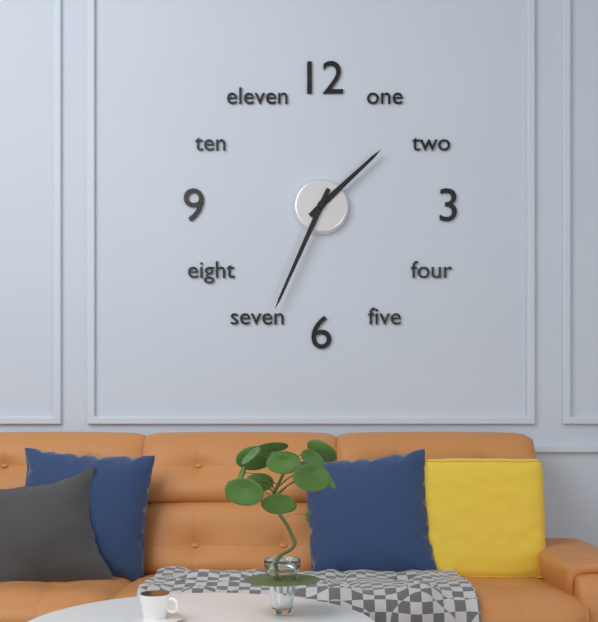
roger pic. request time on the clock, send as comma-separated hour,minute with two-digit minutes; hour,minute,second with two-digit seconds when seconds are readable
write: 1,34
